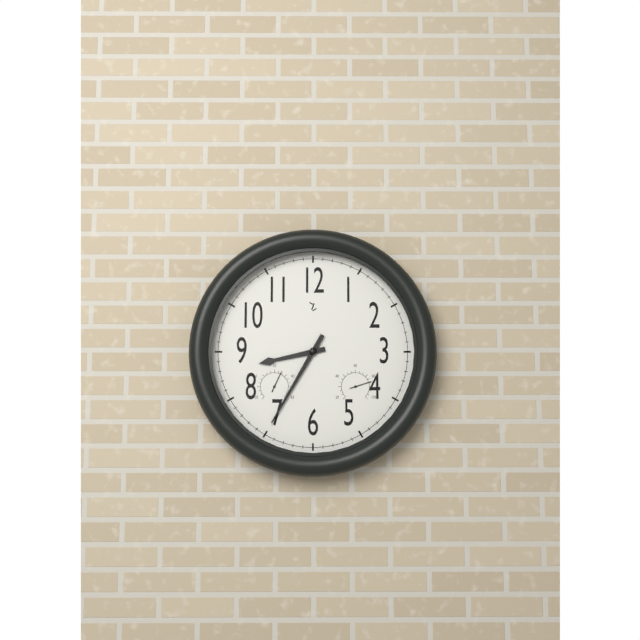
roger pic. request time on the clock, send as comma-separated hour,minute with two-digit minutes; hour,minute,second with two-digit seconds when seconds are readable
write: 8,35
